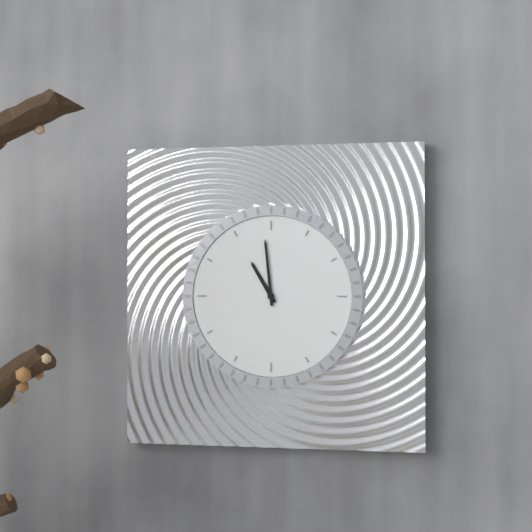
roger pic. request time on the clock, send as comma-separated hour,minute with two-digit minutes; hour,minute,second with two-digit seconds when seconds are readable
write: 10,59
